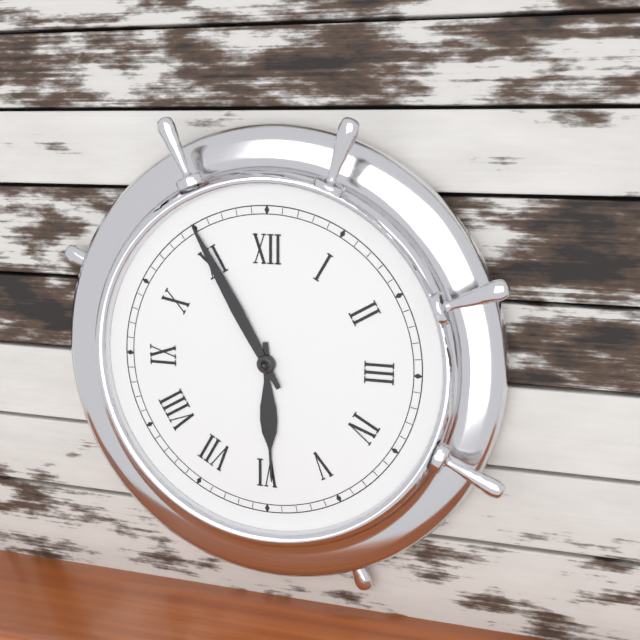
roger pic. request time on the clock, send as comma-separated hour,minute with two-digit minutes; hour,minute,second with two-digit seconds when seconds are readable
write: 5,55
